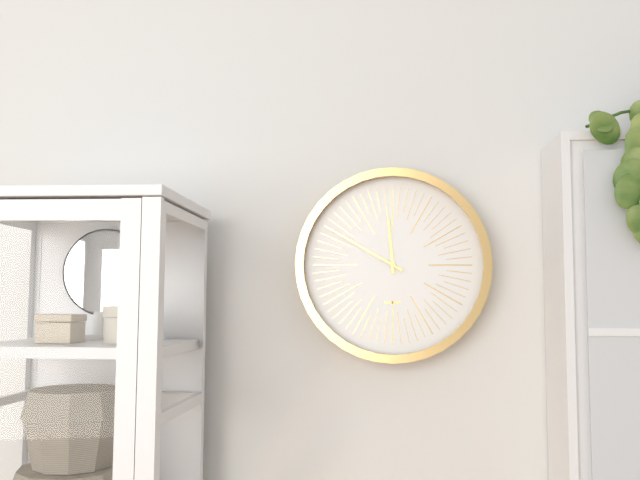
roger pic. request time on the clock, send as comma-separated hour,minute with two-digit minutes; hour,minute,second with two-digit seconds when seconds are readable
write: 11,50
